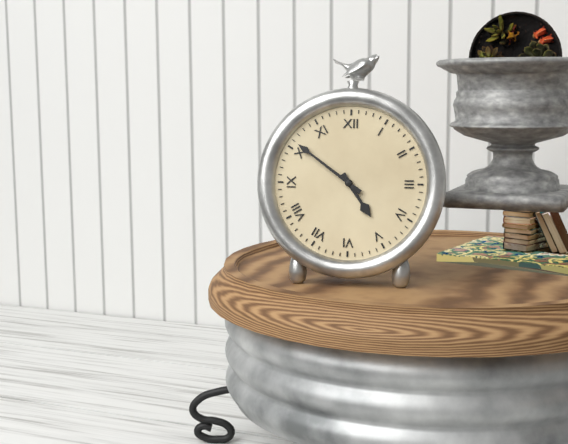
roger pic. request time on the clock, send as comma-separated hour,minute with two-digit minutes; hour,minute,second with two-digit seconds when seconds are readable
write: 4,51
